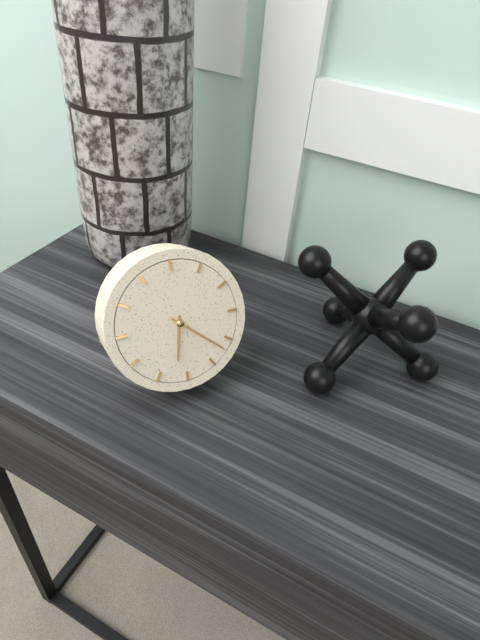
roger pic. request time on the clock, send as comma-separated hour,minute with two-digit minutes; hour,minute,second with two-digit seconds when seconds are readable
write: 6,22
